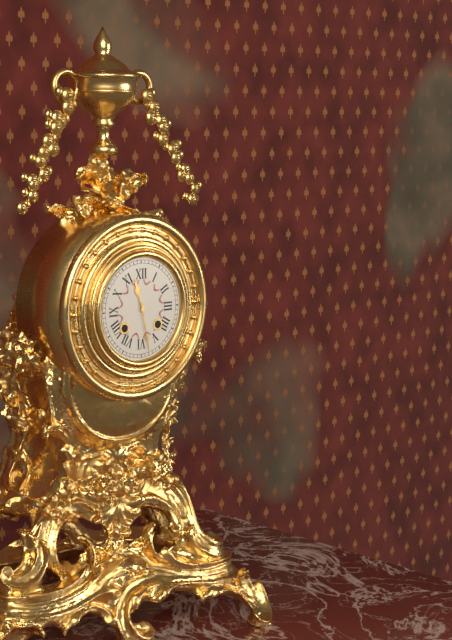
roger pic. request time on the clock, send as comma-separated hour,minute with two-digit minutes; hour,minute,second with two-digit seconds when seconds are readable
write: 11,28
